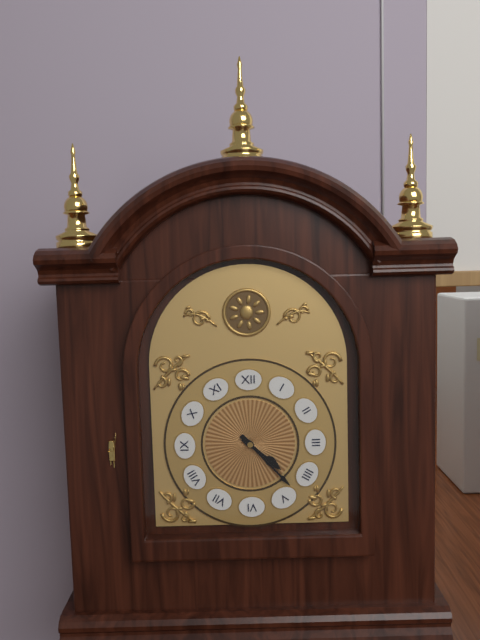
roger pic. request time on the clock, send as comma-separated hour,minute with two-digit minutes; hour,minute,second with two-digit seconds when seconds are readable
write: 4,23
